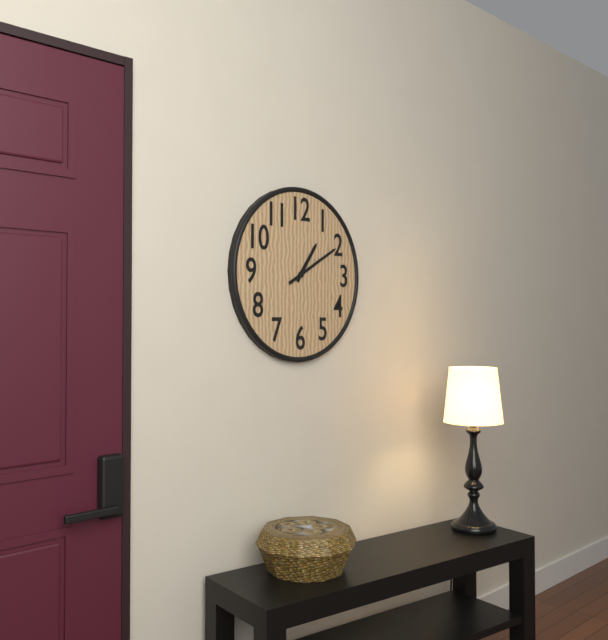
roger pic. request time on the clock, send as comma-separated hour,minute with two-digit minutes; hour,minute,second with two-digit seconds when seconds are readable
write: 1,10
